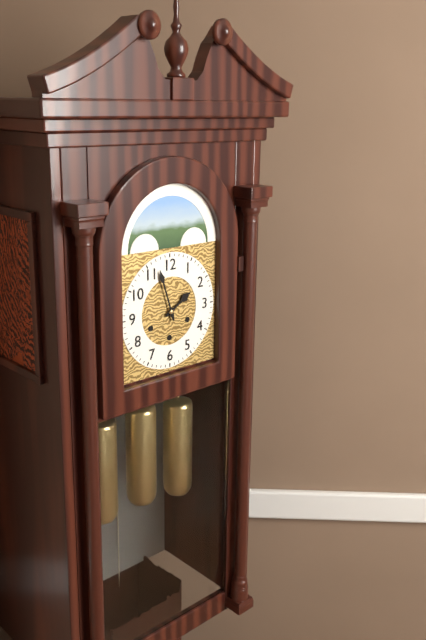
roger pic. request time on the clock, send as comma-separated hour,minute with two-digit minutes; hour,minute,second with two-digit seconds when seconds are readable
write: 1,57
